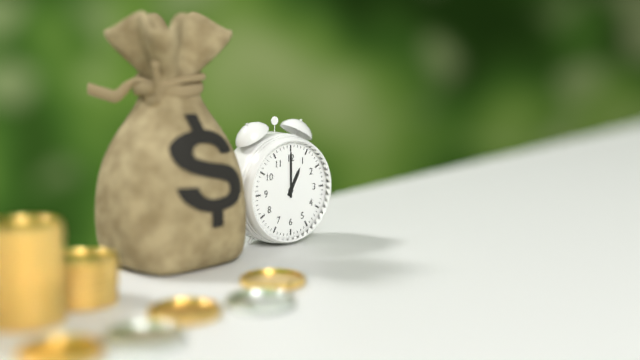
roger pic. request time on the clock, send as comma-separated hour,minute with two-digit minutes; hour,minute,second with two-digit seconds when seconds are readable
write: 1,00
